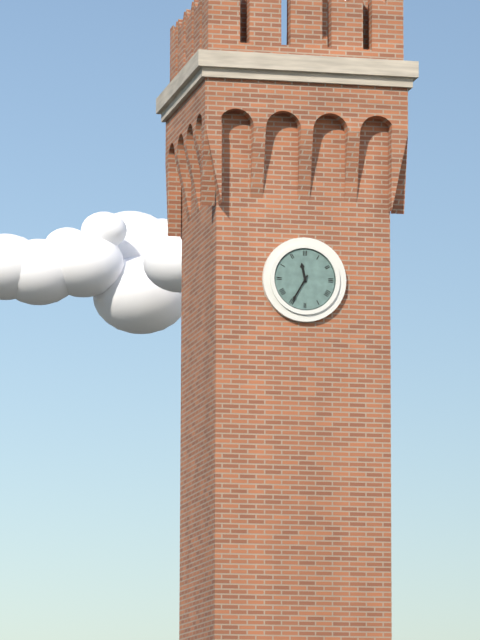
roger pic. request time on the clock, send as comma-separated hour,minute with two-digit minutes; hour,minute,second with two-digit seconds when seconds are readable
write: 11,35
